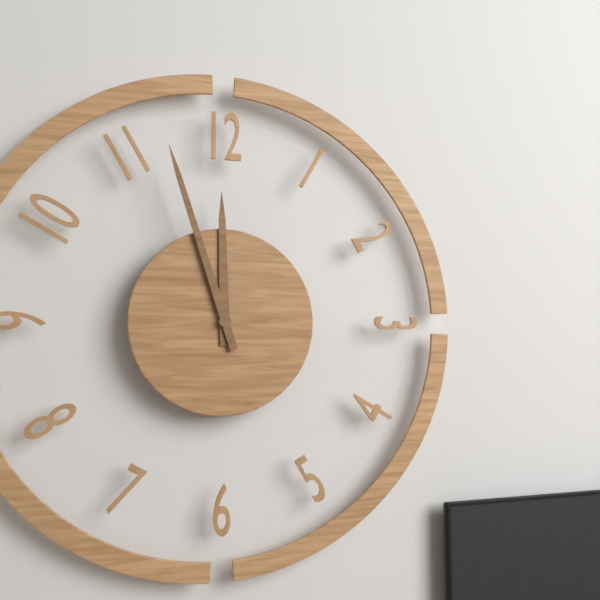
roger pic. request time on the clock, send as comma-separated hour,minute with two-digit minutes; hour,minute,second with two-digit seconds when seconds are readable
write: 11,57
